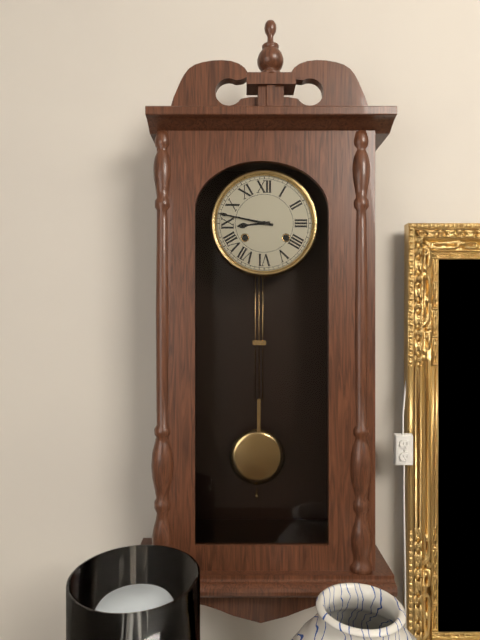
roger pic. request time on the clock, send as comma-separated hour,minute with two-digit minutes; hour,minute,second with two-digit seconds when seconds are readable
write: 8,47
